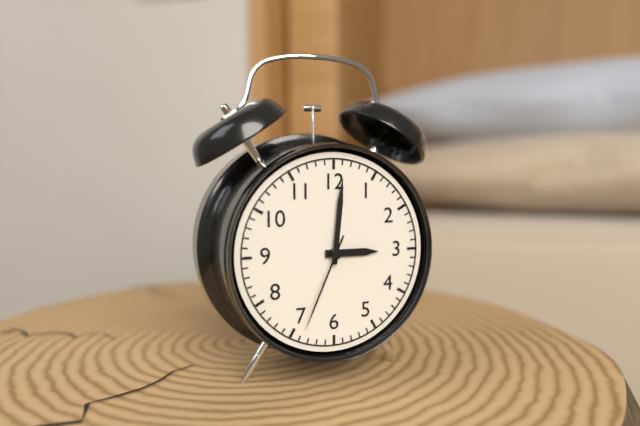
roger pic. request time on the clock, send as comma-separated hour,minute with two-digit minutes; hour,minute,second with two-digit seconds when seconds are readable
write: 3,01,34
